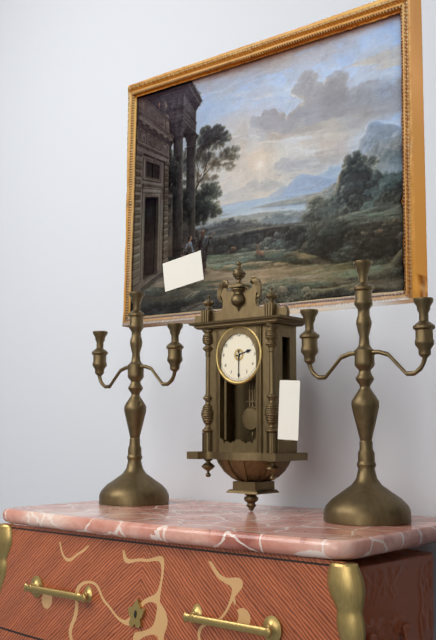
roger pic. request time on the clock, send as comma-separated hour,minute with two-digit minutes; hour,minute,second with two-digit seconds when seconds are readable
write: 2,30
